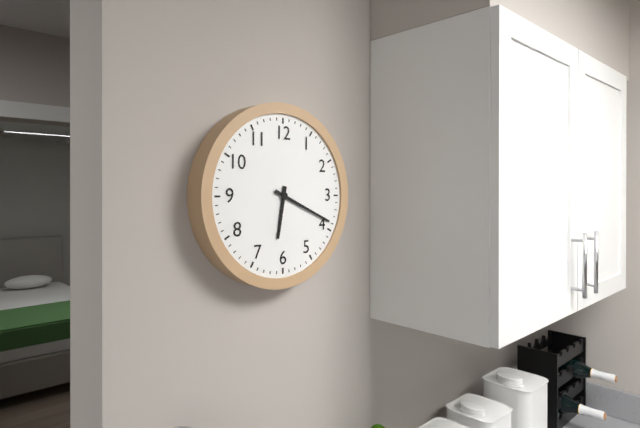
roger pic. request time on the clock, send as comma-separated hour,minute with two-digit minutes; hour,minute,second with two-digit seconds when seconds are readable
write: 6,19
